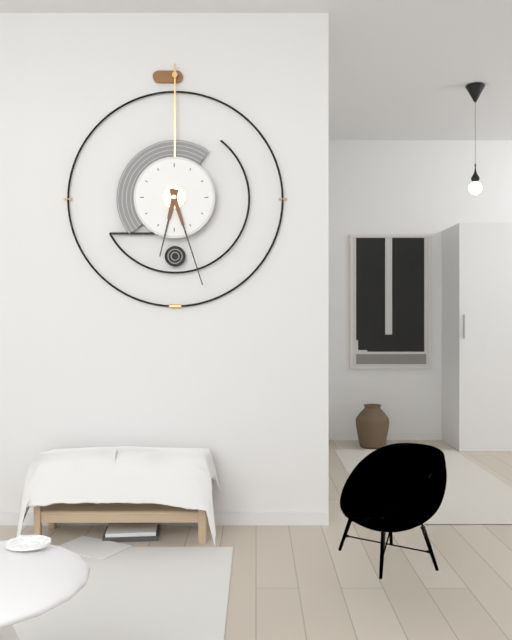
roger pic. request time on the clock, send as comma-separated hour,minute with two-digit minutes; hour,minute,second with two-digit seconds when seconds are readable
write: 6,27
